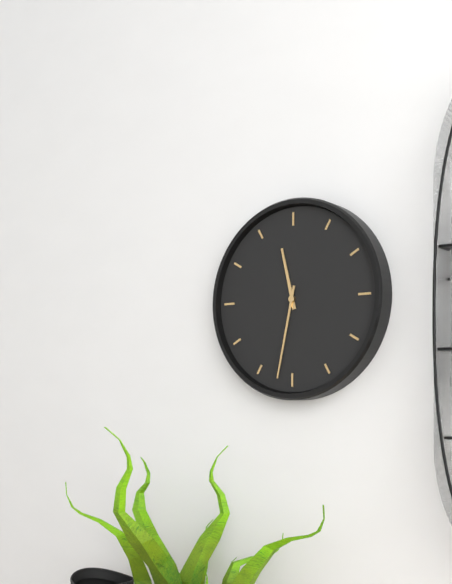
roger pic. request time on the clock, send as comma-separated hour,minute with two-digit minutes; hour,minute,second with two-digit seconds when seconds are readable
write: 11,32
